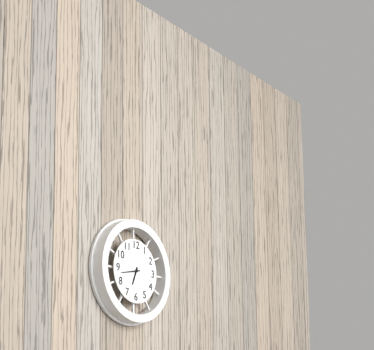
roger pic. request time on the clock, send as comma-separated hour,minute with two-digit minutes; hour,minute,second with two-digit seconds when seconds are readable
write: 6,43
